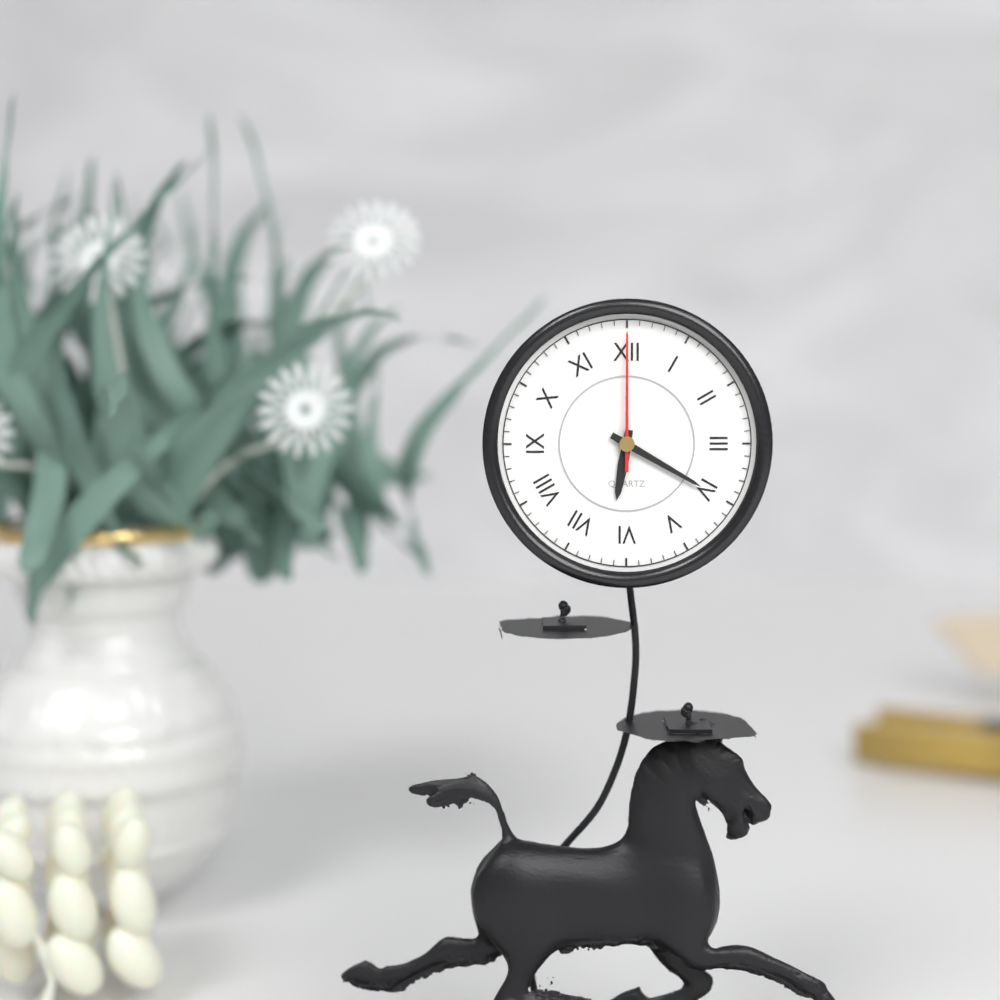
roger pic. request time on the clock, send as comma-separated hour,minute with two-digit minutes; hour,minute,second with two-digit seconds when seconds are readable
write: 6,20,00
